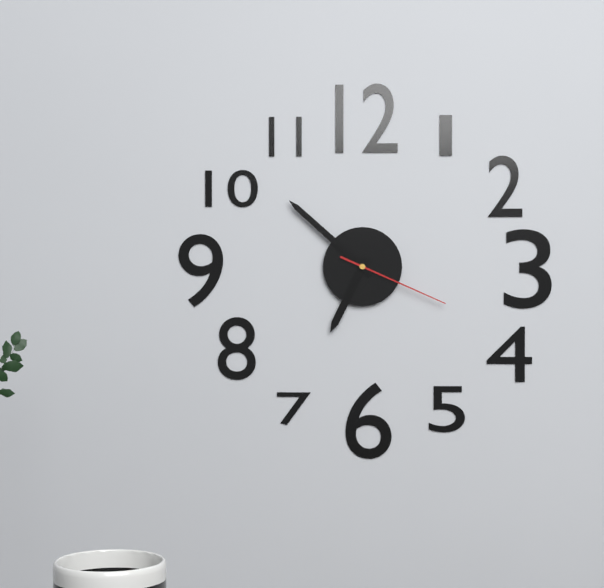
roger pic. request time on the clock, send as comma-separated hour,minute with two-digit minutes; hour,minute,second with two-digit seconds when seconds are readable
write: 6,52,19
